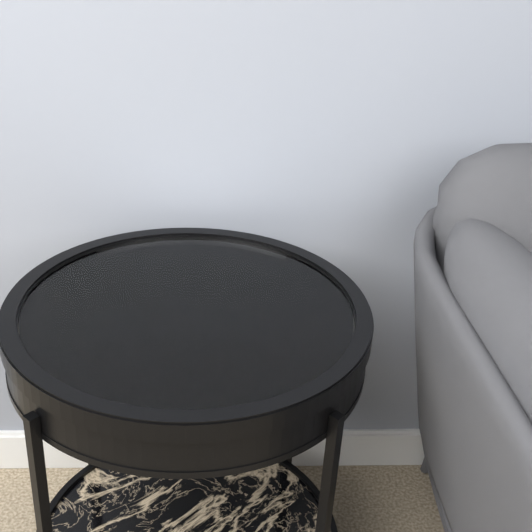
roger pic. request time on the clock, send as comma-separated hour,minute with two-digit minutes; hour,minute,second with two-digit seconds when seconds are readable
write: 11,18
